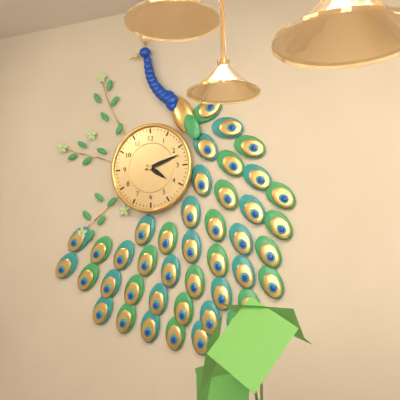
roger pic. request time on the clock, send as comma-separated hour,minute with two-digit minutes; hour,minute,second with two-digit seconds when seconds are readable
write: 4,12
